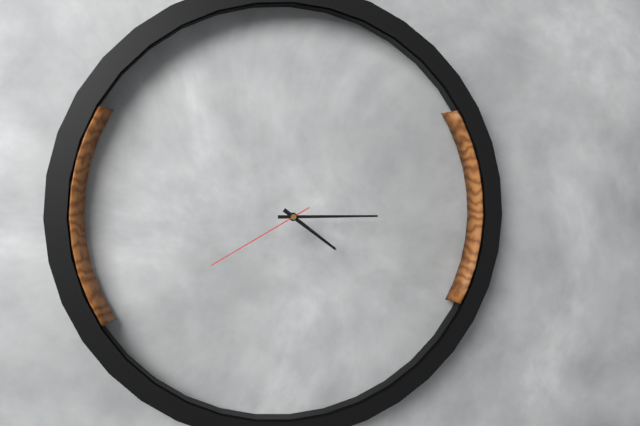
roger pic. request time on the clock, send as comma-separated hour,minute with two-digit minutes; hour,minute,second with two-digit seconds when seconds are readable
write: 4,15,40
